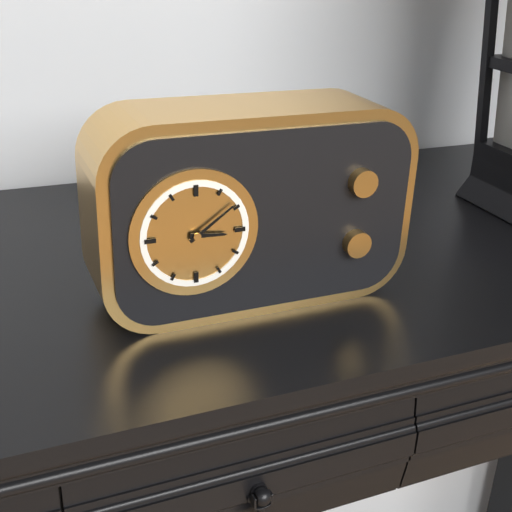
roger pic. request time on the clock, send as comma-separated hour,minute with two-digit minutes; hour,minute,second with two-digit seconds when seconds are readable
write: 3,09
